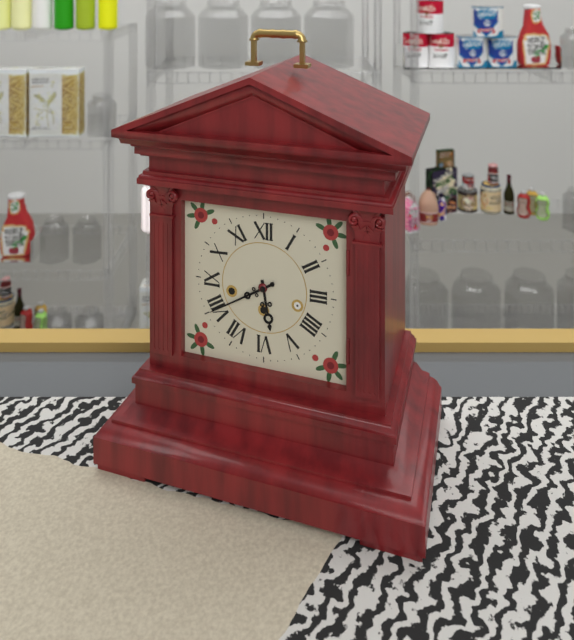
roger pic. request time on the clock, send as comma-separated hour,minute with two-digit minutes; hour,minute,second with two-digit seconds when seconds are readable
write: 5,40
